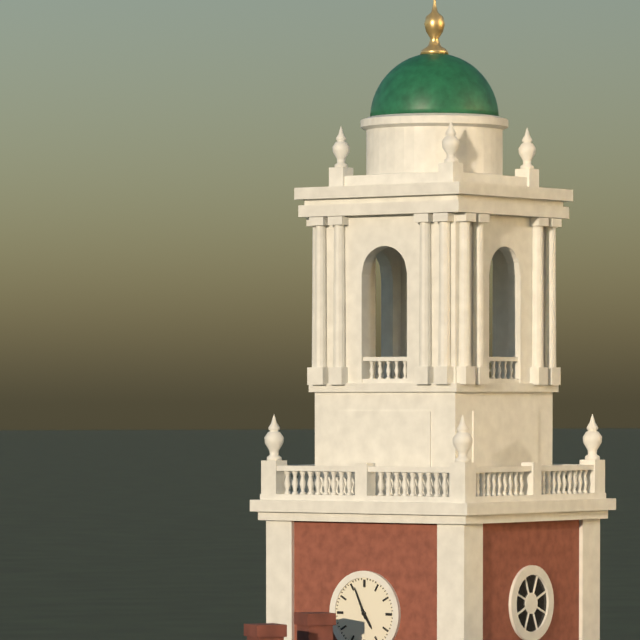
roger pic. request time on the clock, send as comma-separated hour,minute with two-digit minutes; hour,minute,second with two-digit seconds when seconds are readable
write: 4,56
